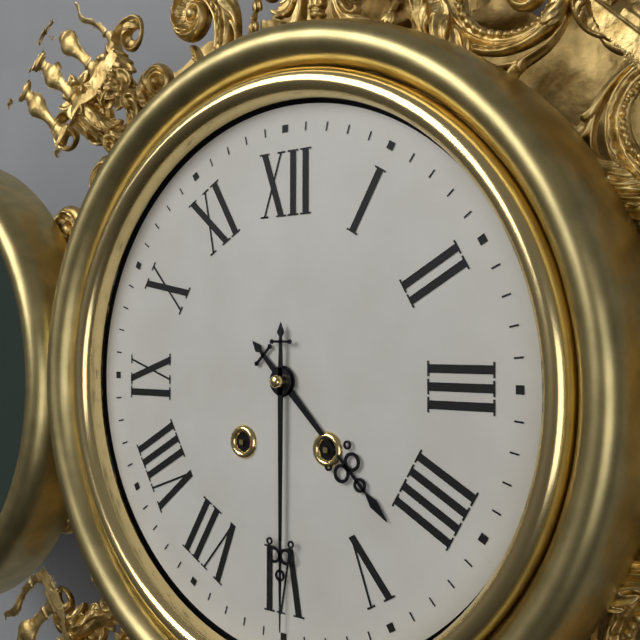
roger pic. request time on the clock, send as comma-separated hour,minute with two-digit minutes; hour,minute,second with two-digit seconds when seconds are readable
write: 4,30
